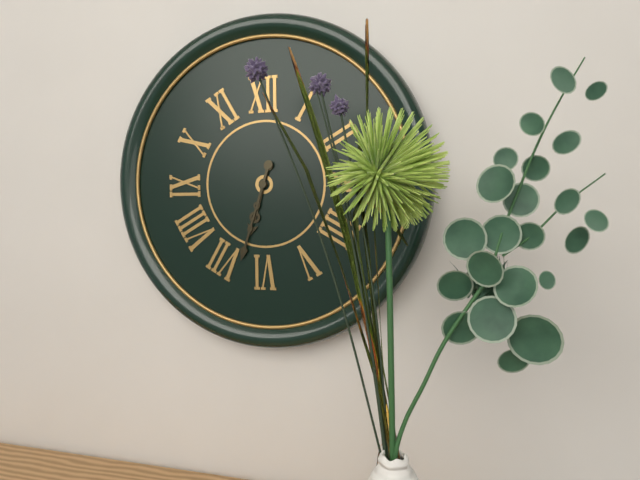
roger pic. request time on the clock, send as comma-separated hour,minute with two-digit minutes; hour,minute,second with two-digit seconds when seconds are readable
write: 6,33
